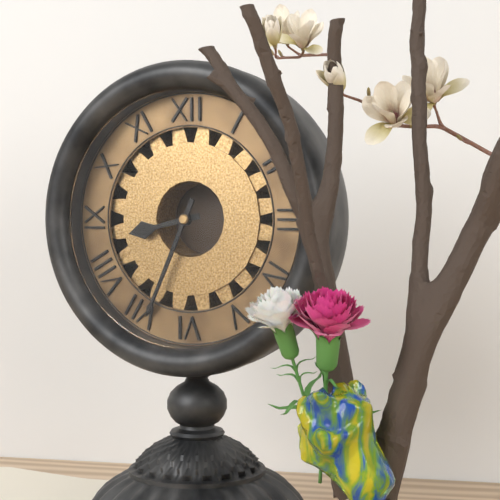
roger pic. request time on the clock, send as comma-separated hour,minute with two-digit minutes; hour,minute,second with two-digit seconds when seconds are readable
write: 8,34
